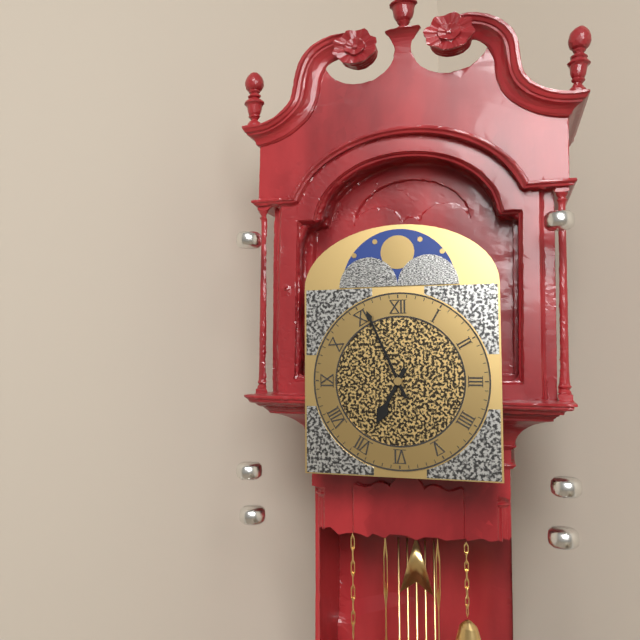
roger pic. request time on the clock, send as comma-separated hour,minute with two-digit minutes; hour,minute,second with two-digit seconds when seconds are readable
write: 6,56
